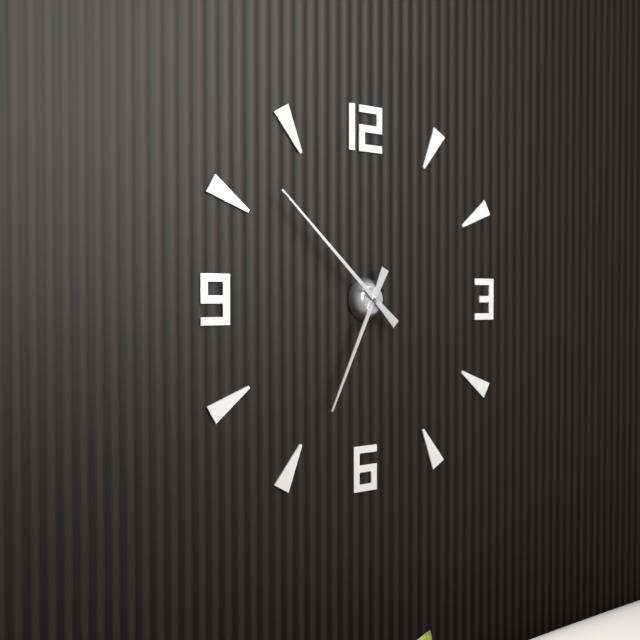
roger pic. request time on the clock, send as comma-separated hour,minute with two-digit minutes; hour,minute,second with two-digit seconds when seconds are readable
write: 6,52
